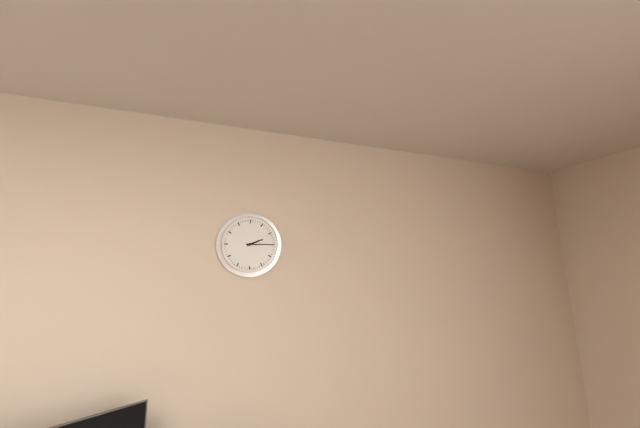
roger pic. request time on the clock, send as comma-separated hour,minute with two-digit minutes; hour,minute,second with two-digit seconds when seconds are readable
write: 2,15
